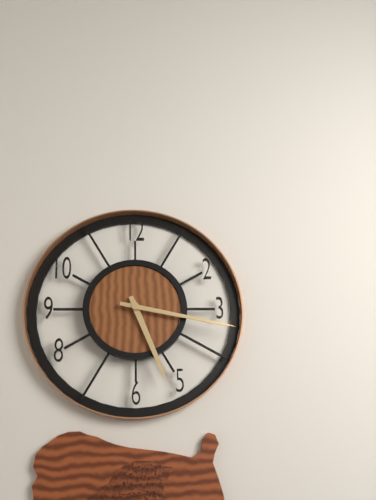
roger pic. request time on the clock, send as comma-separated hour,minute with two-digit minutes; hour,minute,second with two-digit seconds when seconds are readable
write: 5,17
